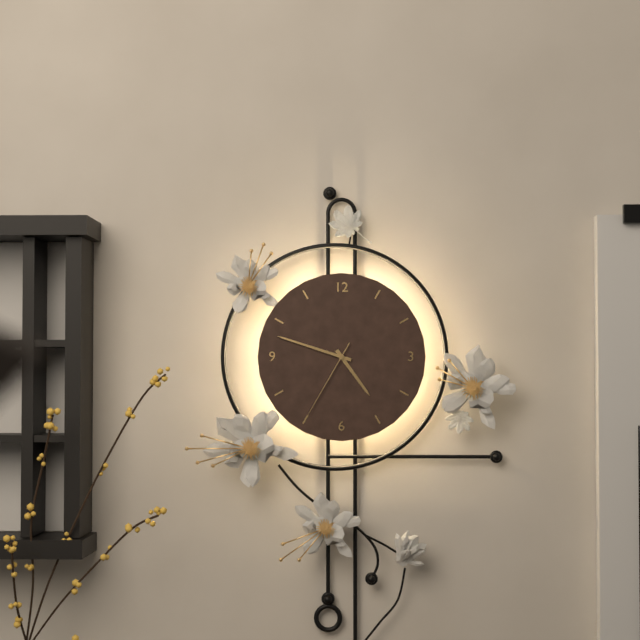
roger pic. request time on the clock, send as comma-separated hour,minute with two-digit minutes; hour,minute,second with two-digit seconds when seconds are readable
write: 4,48,35
